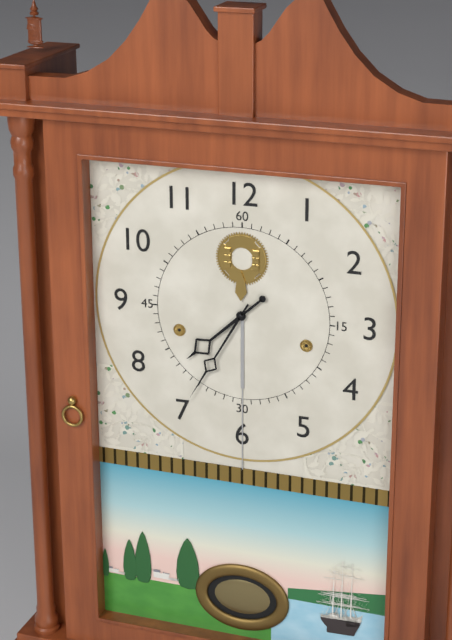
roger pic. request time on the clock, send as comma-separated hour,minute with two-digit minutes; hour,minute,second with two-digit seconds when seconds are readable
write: 7,35
